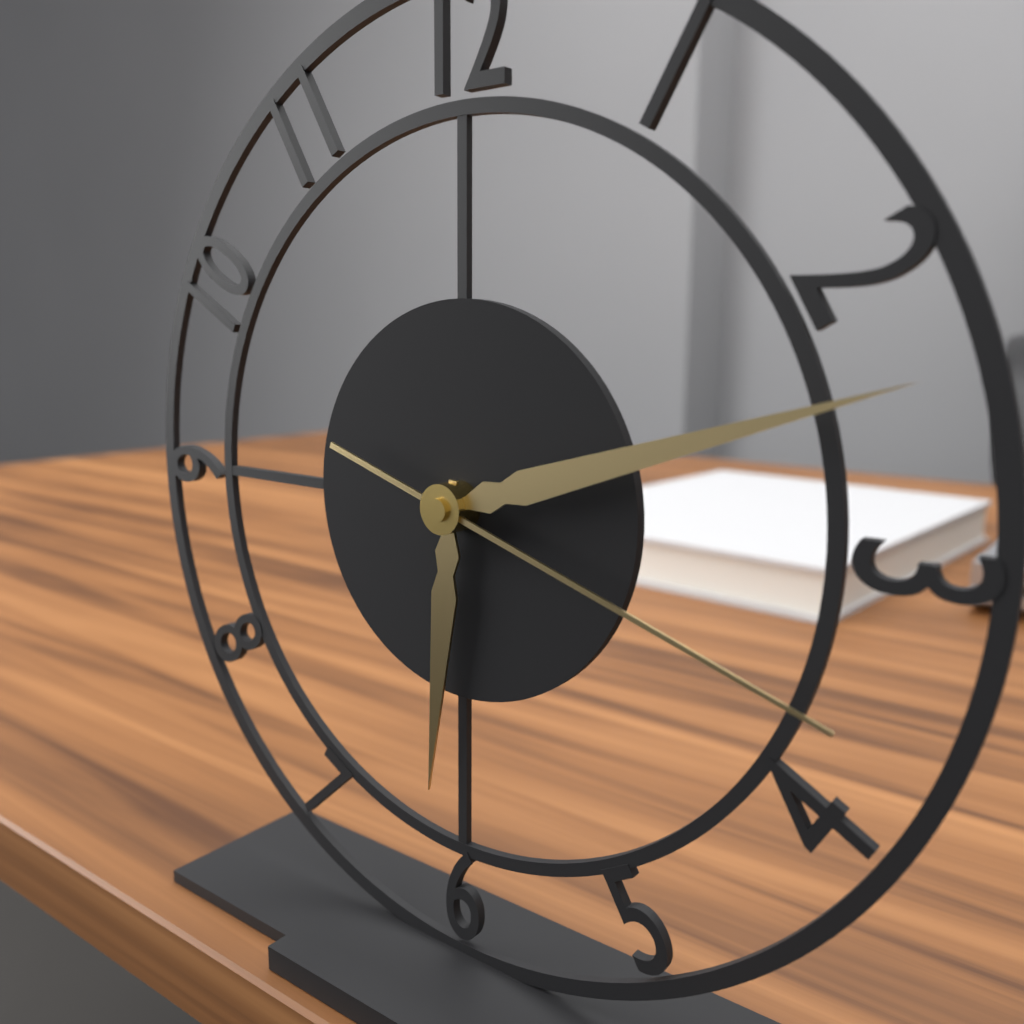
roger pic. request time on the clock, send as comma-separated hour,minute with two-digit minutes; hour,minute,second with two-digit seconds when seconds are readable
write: 6,12,18
